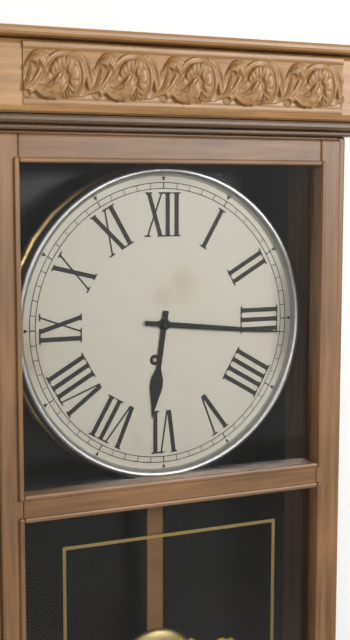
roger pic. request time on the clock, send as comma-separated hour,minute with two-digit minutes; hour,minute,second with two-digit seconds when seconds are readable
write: 6,16
